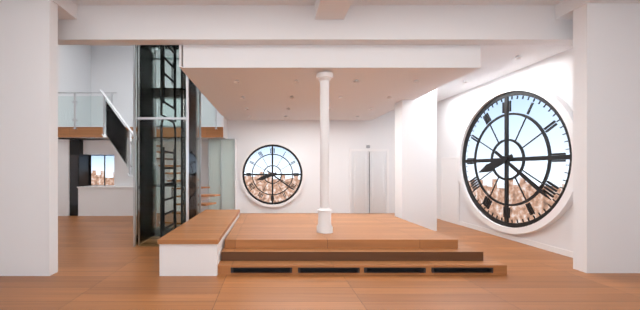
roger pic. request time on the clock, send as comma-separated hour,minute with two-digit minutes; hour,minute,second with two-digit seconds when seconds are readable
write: 8,21
